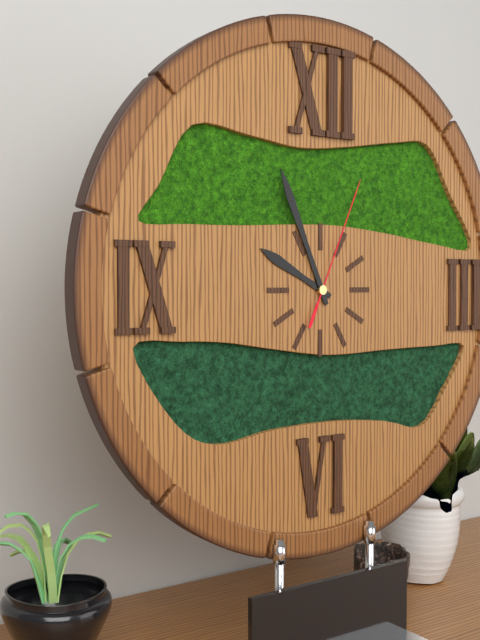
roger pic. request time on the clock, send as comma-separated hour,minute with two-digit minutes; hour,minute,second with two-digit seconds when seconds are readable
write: 9,56,04
